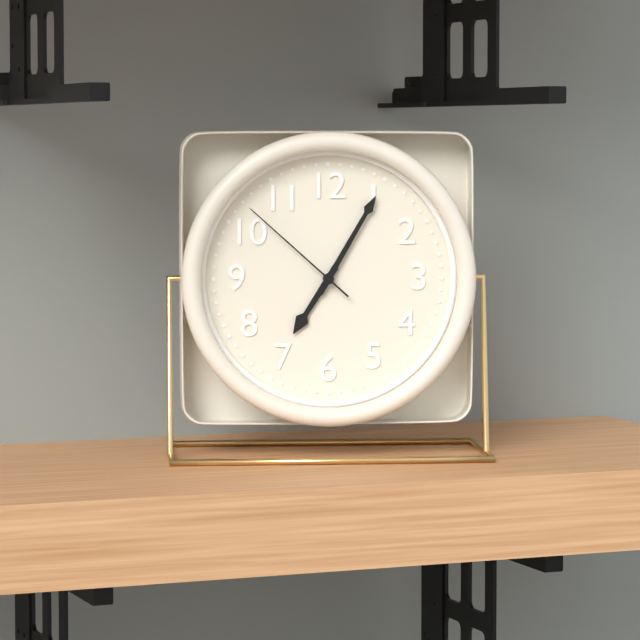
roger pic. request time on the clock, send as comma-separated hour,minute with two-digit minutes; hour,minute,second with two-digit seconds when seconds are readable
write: 7,05,52
